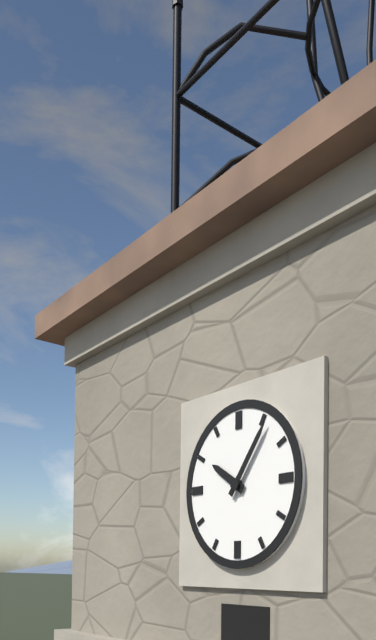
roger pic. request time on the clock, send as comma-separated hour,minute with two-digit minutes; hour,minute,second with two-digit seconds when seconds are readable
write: 10,06
